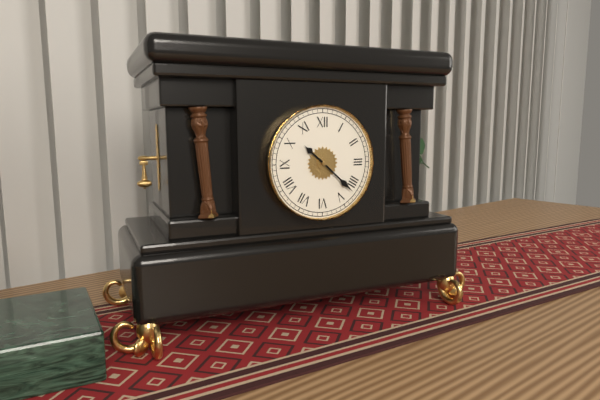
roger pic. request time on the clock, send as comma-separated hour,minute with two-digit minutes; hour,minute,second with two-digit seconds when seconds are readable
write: 10,22
